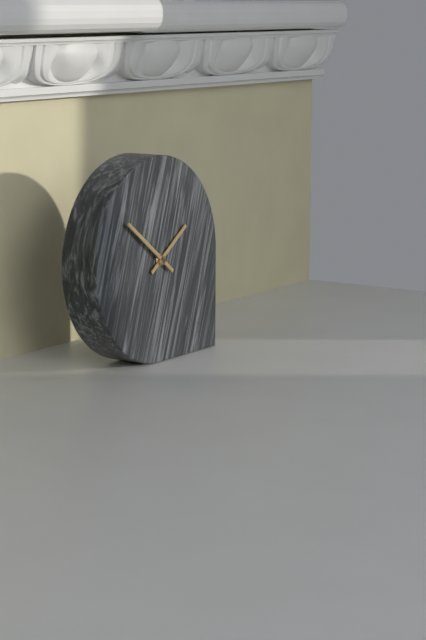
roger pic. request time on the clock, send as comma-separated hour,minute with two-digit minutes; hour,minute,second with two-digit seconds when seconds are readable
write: 1,51
